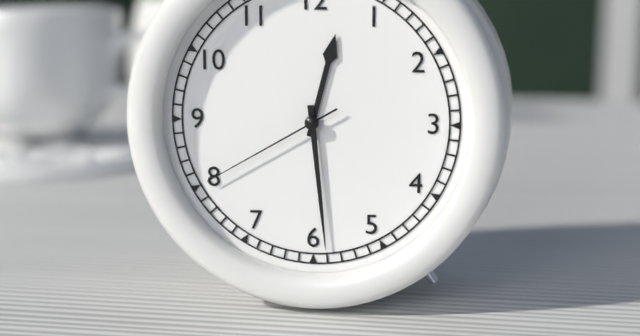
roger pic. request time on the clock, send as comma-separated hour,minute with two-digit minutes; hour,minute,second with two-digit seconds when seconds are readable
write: 12,29,40
